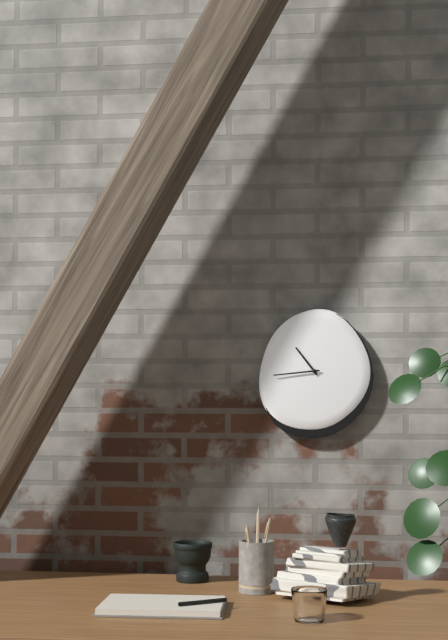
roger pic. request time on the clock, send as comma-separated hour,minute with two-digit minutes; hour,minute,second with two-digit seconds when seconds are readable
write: 10,44
